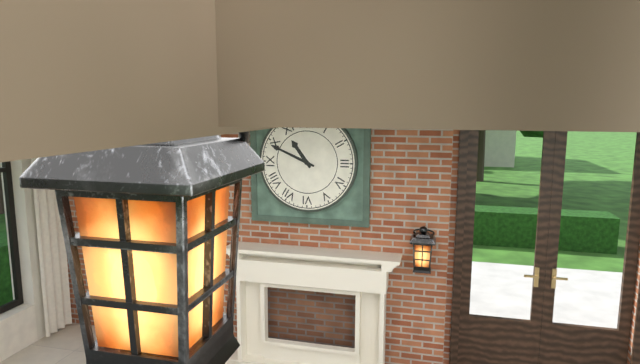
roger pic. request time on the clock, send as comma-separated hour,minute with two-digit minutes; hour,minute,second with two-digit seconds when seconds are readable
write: 10,49
